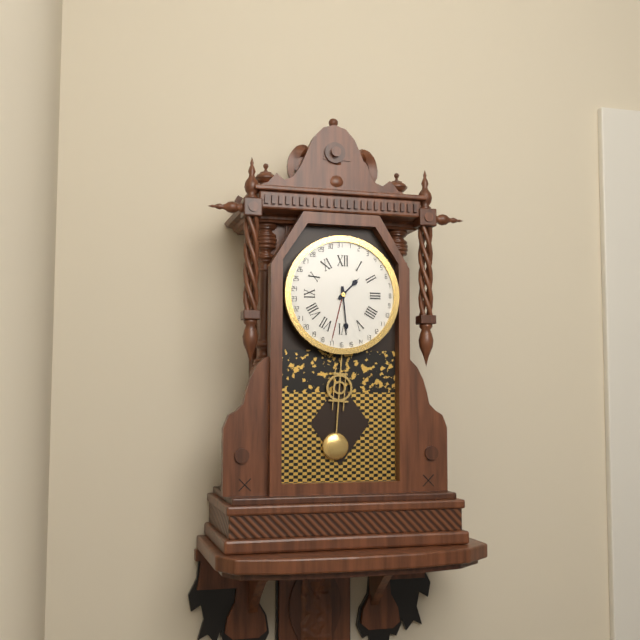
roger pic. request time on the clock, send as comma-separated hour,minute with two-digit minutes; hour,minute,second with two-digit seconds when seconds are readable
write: 1,29
